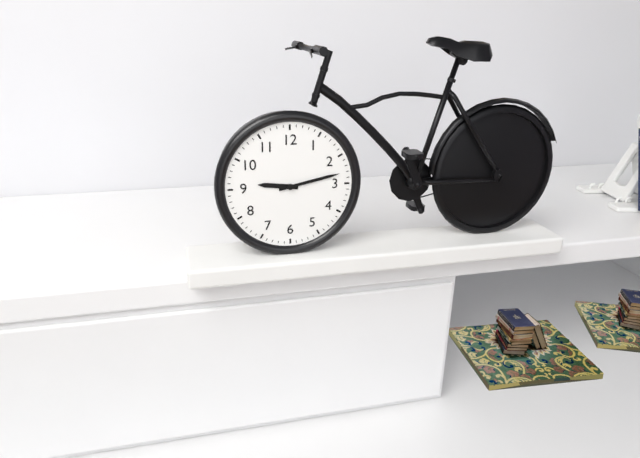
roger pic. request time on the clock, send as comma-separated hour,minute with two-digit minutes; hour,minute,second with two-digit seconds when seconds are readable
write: 9,13
